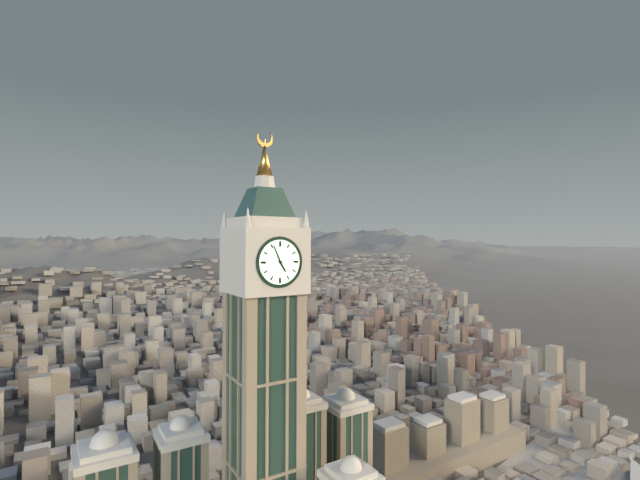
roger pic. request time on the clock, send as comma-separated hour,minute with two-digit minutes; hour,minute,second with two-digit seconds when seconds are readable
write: 4,56
